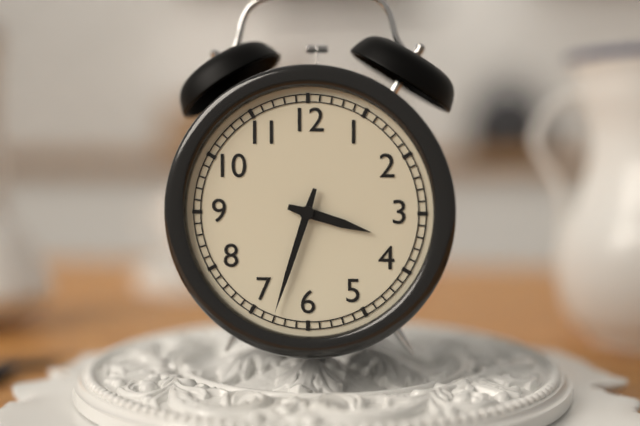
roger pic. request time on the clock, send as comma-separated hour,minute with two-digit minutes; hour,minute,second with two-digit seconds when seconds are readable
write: 3,33
